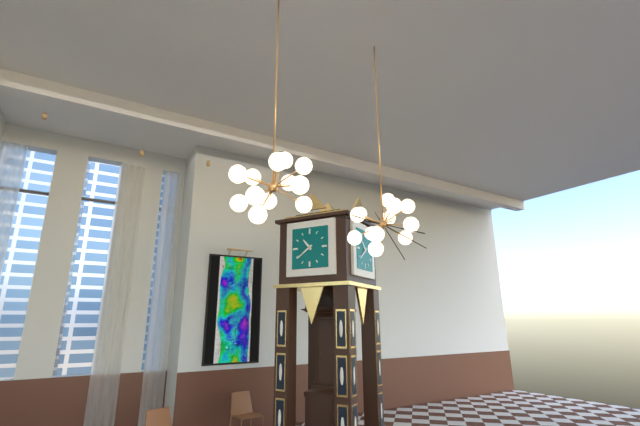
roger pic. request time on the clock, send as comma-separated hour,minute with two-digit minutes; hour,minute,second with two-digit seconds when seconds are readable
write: 10,39
